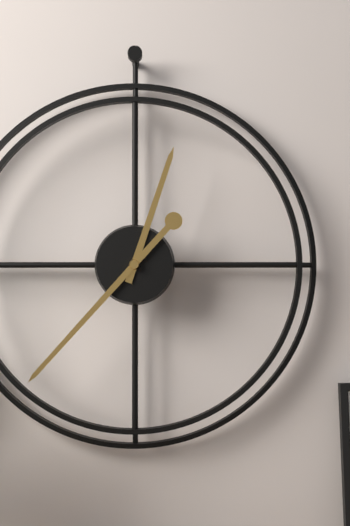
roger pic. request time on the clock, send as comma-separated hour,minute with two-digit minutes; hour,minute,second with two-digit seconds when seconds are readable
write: 12,37
